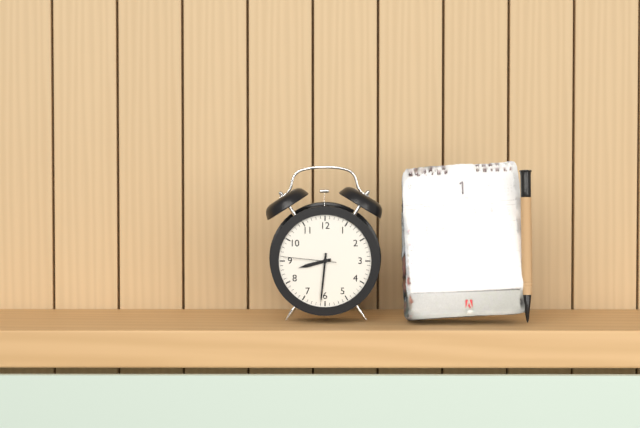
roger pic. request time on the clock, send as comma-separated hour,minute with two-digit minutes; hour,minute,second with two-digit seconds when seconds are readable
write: 8,31,46
